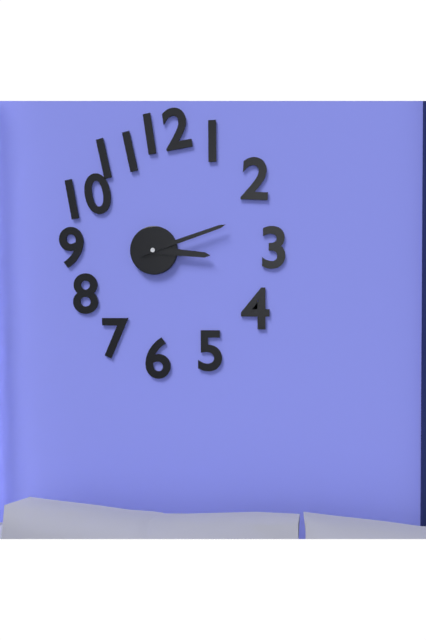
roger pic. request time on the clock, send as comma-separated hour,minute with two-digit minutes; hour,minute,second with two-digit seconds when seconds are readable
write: 3,12
